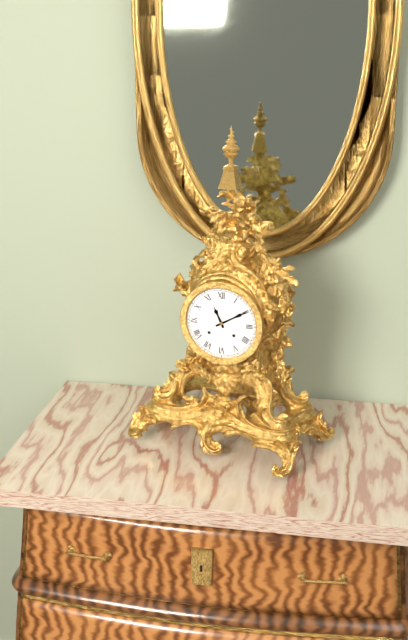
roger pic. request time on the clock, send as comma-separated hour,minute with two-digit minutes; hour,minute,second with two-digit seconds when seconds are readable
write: 11,10
